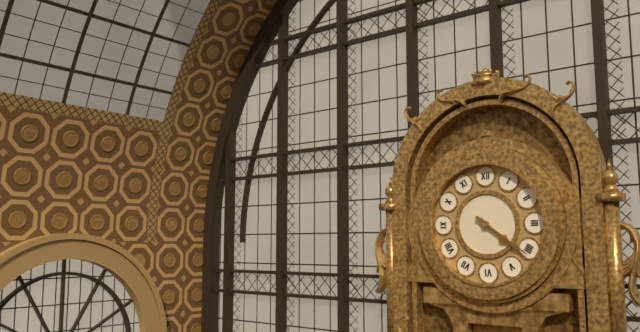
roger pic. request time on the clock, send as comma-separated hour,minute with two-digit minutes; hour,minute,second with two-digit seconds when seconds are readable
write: 4,21
